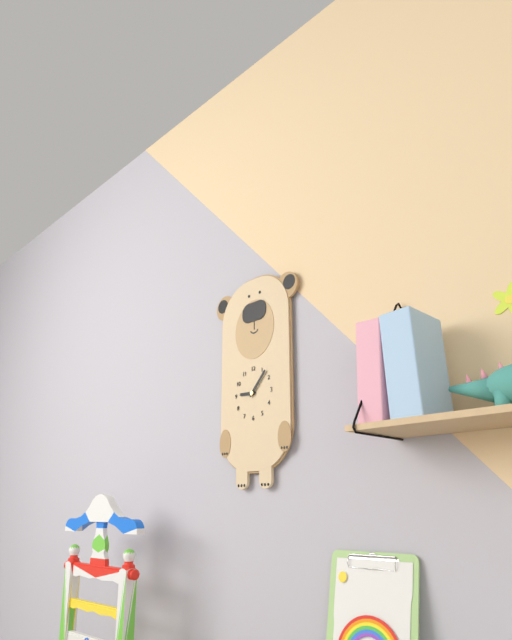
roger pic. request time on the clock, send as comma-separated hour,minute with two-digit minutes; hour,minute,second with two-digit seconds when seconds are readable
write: 9,07
